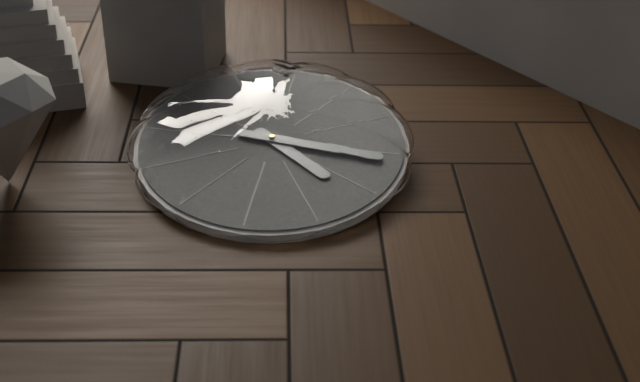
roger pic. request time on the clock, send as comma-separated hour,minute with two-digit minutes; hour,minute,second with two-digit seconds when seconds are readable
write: 4,16
